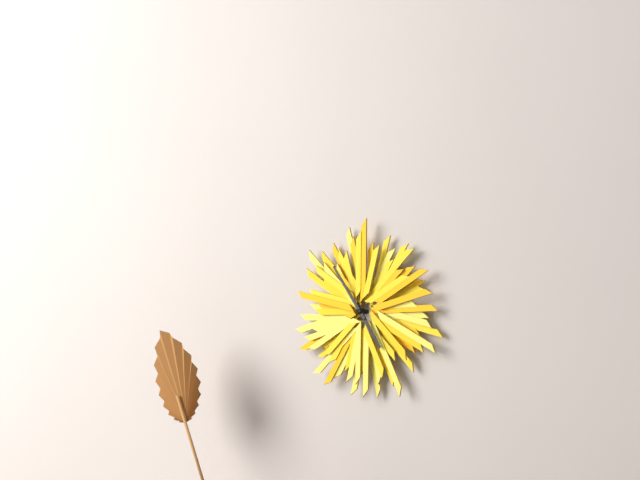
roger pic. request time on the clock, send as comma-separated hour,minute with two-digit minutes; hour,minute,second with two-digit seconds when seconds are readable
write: 4,54
